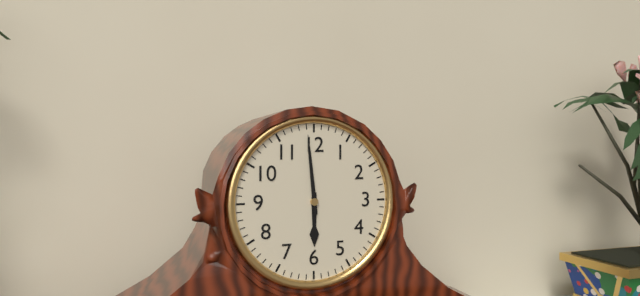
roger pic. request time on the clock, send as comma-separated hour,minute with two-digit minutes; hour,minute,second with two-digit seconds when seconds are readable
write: 5,59
